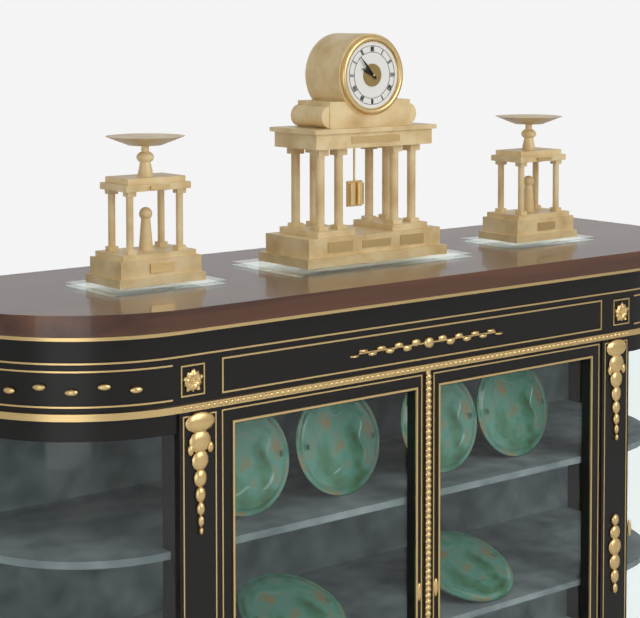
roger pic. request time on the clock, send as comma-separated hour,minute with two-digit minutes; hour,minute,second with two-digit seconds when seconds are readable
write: 9,53
